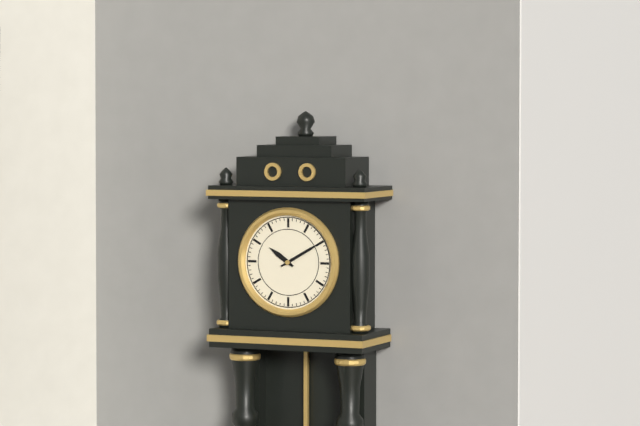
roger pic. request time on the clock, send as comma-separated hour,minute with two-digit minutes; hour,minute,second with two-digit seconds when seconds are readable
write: 10,10
